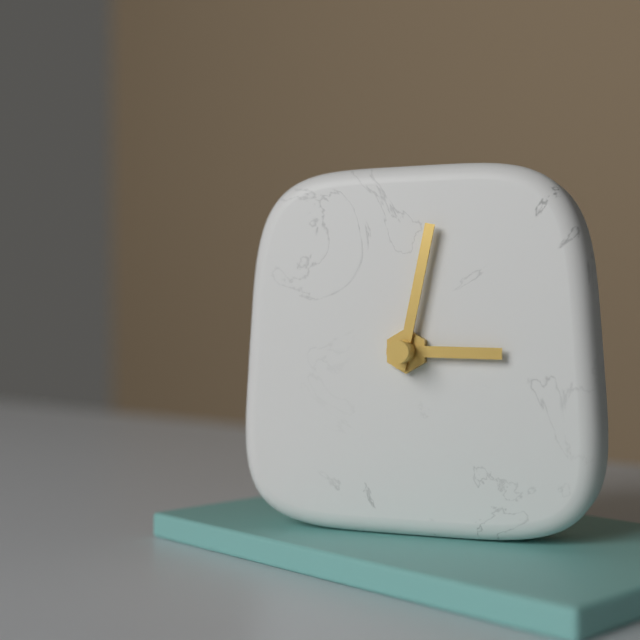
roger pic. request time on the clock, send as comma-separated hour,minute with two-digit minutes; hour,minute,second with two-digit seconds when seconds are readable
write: 3,02
